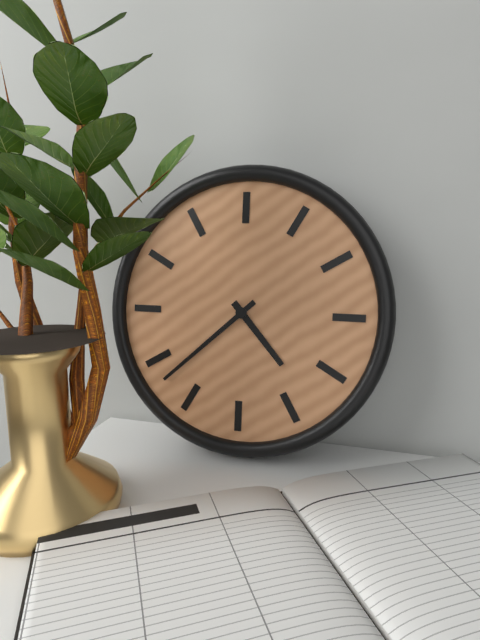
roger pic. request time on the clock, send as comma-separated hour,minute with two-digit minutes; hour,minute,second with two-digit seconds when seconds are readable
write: 4,38
